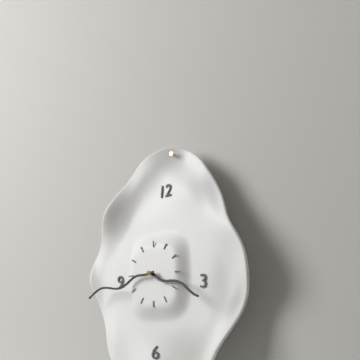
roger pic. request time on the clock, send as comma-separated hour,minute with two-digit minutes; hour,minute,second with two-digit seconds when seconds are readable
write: 3,43
